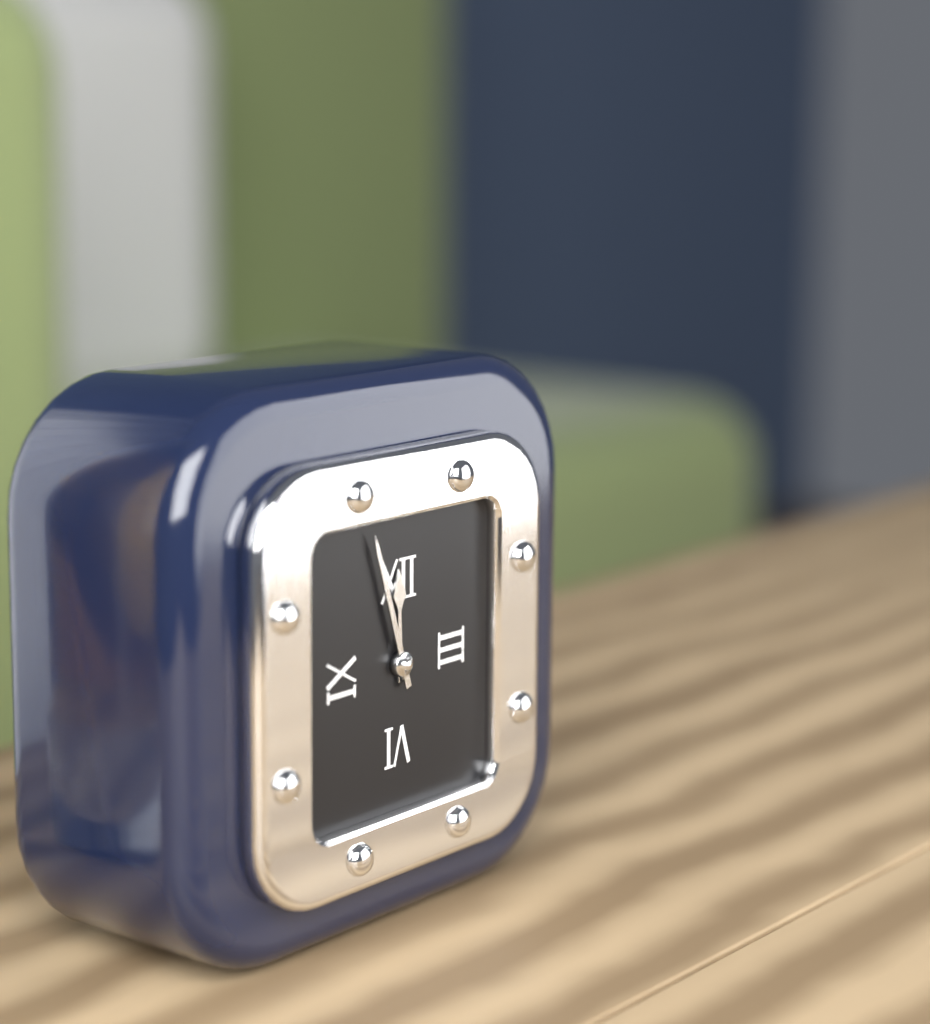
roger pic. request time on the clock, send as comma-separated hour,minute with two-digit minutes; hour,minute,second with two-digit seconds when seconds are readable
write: 11,57
